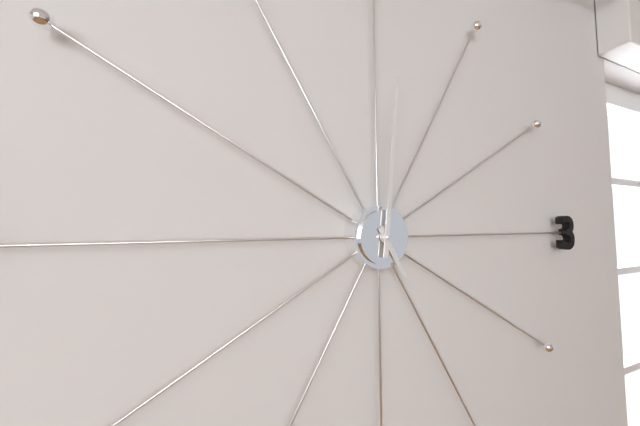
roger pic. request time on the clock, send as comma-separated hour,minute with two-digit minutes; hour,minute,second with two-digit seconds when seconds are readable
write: 5,01
